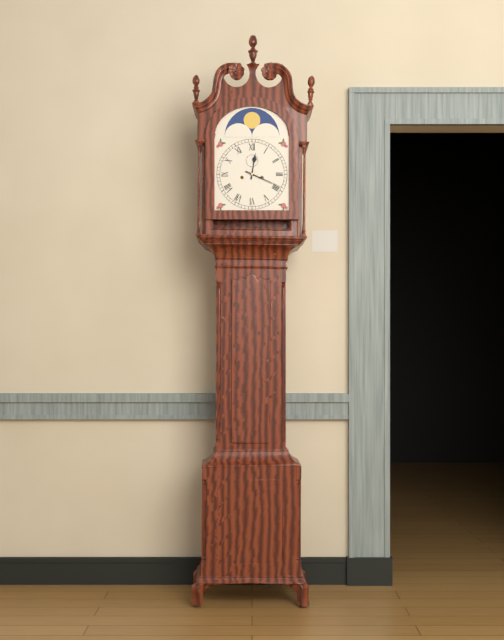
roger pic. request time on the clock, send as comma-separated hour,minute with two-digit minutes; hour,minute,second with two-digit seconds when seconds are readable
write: 12,19
